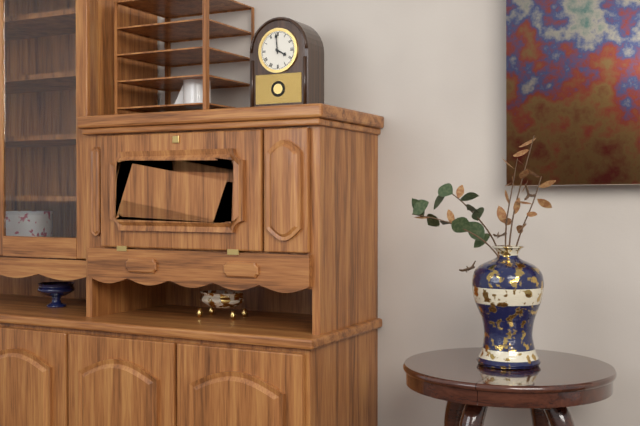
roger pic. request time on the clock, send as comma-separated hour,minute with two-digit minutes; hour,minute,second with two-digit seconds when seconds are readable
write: 3,59
